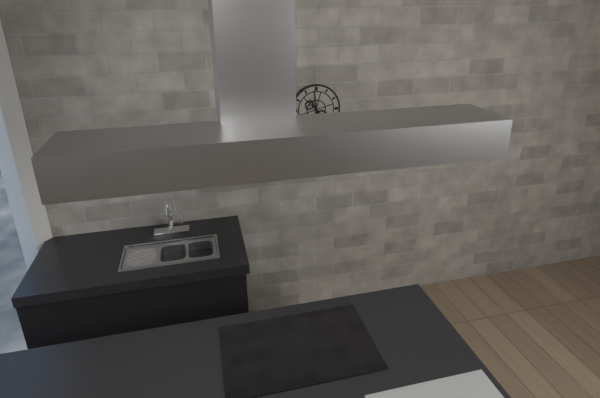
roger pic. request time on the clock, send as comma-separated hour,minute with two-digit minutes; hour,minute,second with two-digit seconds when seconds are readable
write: 10,59
